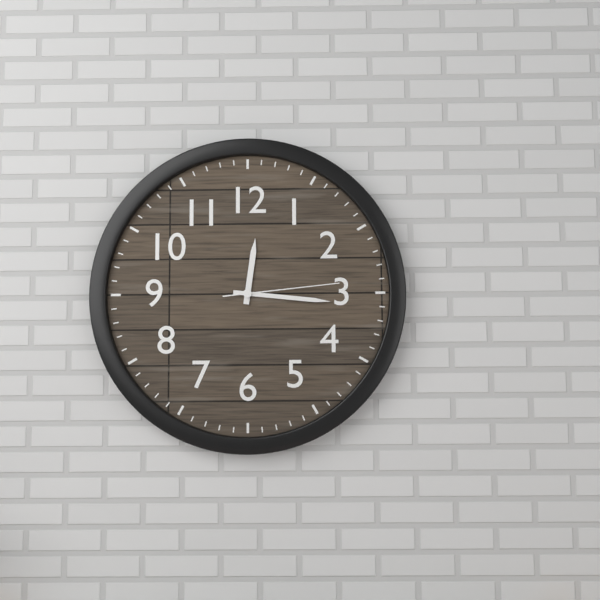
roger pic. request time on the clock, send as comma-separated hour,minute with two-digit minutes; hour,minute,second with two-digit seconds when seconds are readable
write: 12,16,14
